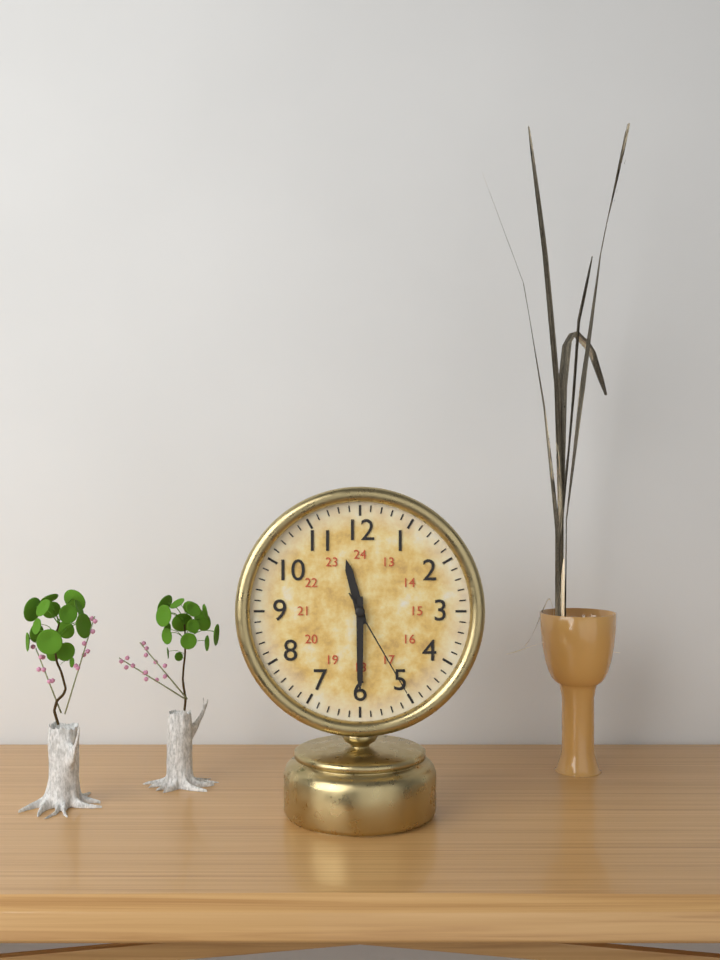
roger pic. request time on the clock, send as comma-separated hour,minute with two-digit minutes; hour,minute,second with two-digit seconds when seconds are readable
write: 11,30,25
